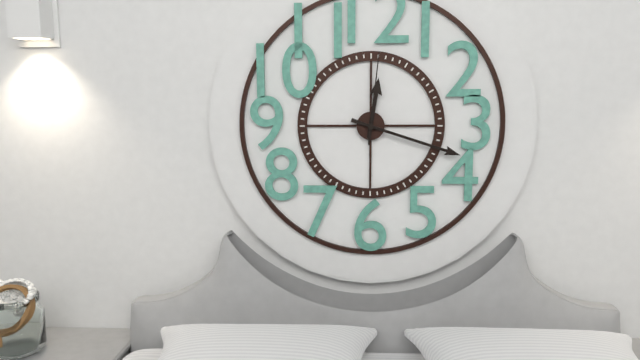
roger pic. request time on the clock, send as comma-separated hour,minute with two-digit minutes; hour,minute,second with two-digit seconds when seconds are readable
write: 12,18,01
